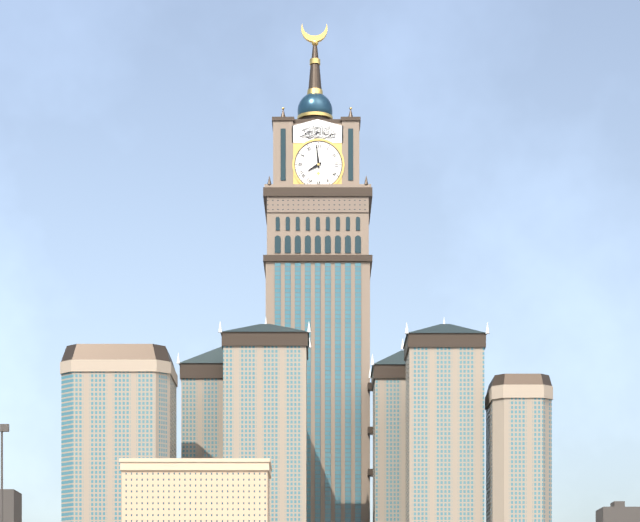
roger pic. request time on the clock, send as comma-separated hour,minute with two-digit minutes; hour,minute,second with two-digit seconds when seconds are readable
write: 7,59
